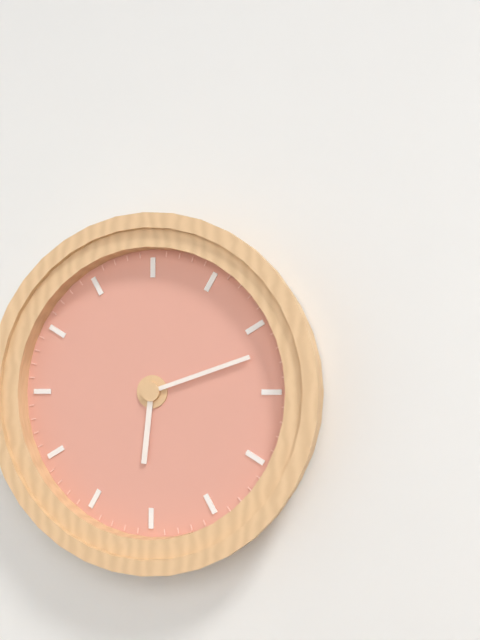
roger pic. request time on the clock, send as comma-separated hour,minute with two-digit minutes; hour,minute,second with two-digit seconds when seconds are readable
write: 6,12
